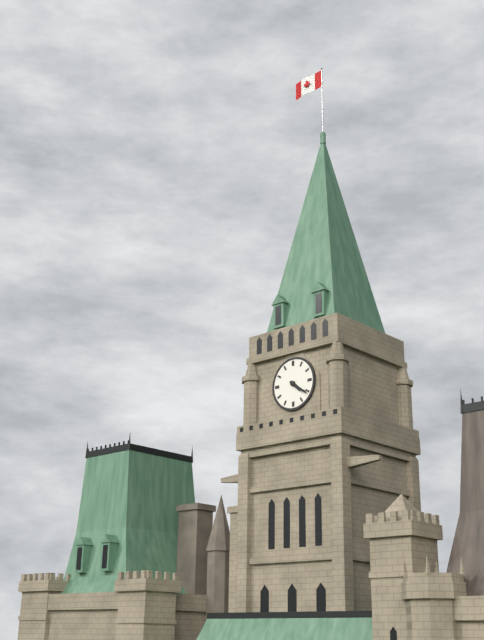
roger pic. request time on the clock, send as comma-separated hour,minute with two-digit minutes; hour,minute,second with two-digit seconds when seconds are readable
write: 4,21
